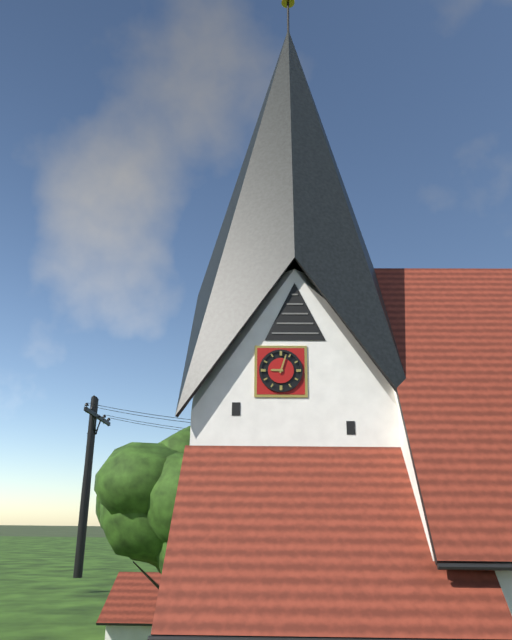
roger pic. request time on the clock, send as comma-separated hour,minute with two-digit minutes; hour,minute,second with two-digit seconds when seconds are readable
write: 9,03
